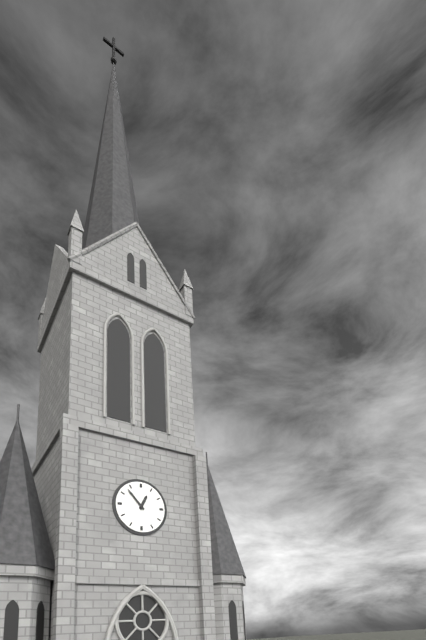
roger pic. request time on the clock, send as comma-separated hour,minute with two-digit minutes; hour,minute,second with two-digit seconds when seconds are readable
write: 12,53
